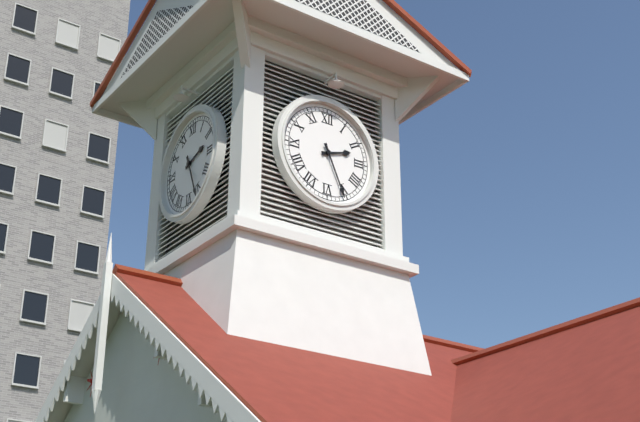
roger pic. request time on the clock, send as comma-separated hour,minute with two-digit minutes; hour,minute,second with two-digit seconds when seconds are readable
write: 2,26
